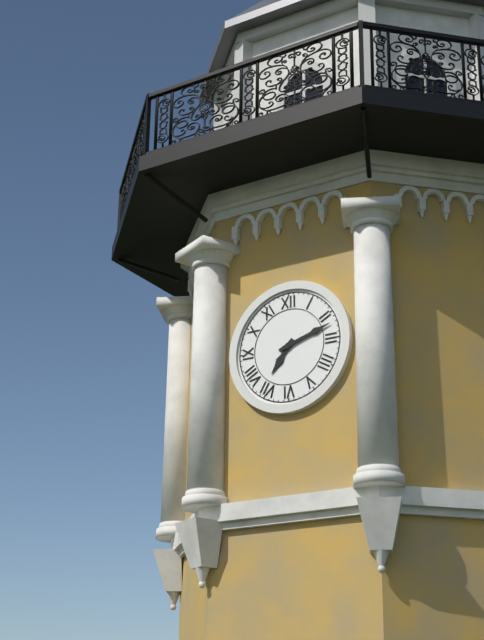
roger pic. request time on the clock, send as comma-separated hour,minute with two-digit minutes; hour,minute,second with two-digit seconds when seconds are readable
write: 7,12
